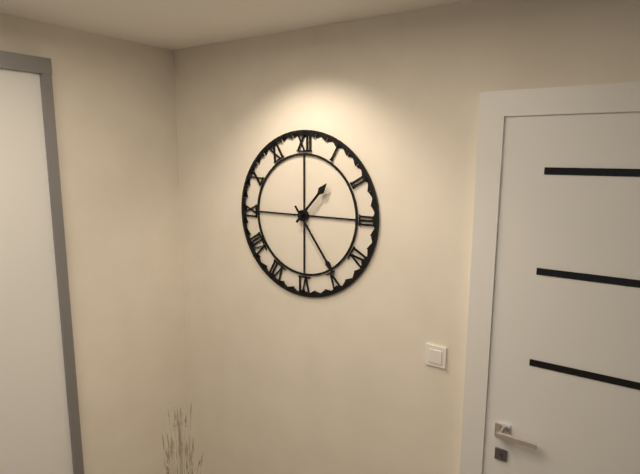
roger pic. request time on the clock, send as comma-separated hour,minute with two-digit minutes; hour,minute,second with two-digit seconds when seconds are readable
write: 1,24
